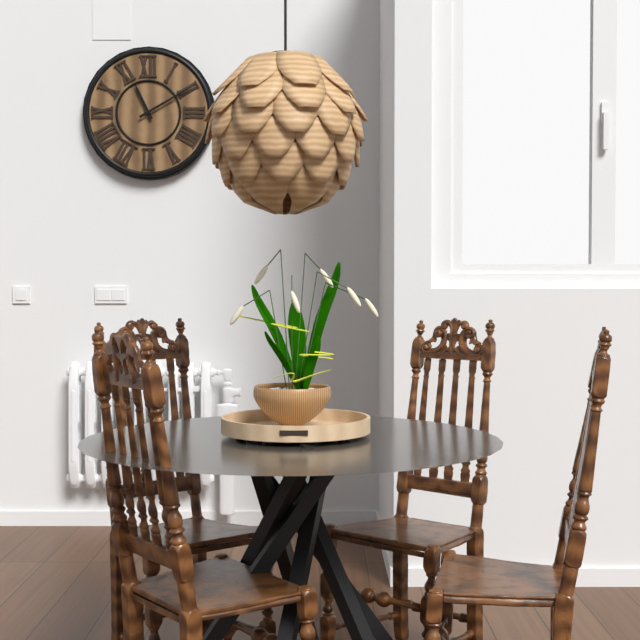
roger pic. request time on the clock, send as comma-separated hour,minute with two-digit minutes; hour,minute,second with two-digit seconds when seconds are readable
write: 11,10
